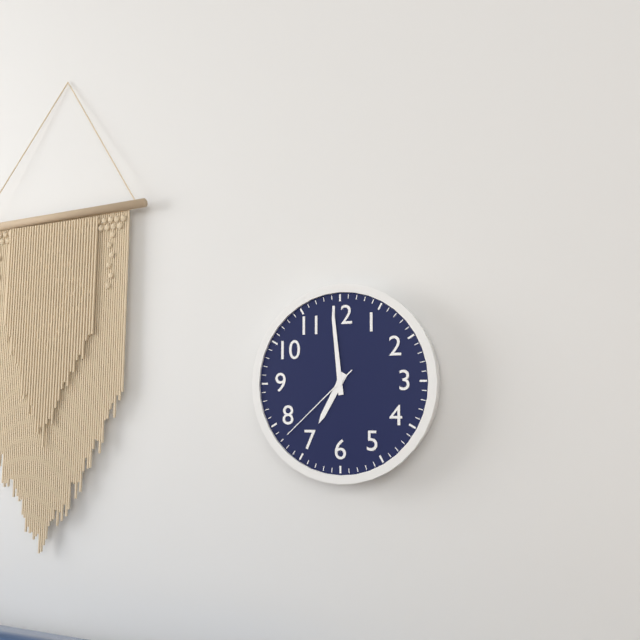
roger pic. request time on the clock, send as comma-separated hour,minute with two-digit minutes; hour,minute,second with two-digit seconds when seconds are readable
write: 6,59,38
